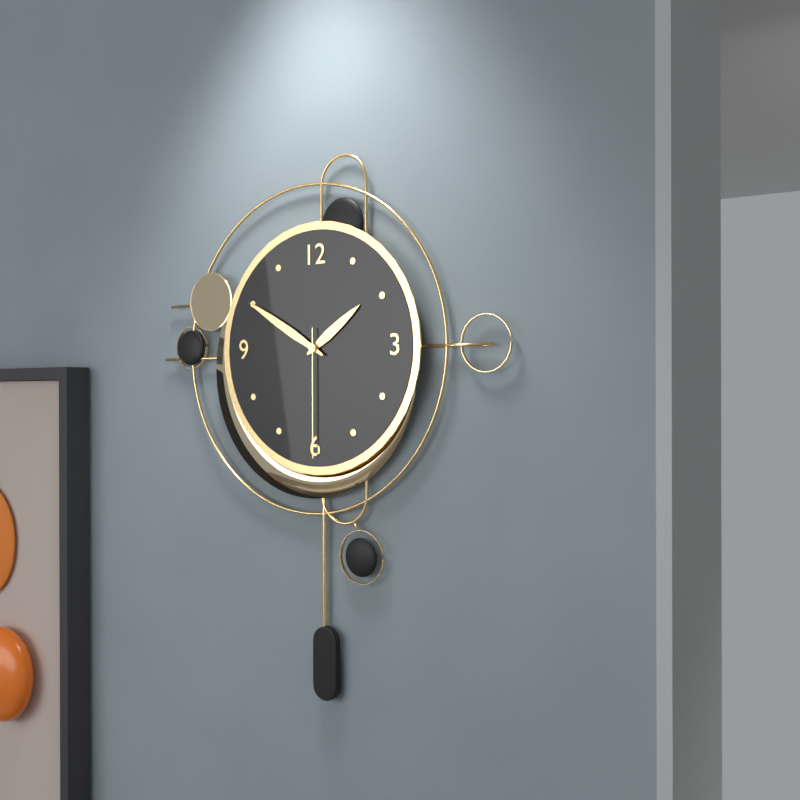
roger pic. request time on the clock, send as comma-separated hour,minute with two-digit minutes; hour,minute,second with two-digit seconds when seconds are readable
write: 1,50,30
